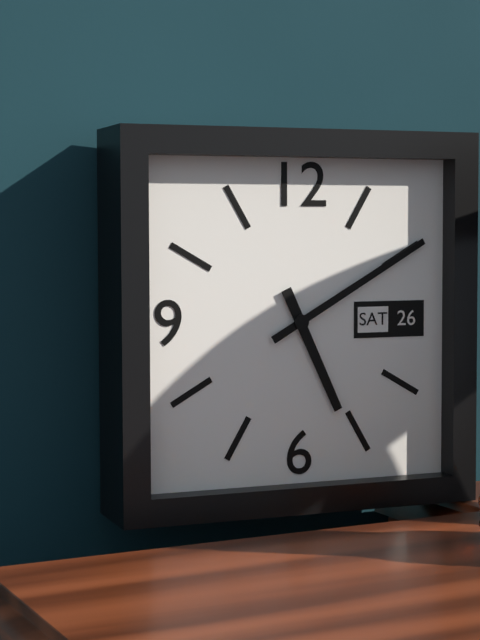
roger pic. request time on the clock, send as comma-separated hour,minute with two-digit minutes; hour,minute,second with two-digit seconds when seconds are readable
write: 5,10
